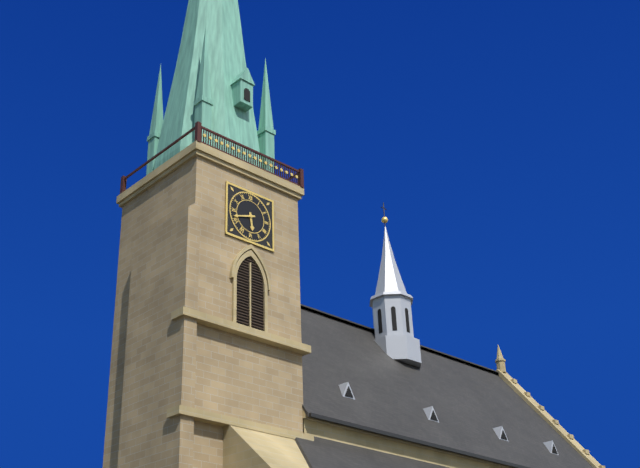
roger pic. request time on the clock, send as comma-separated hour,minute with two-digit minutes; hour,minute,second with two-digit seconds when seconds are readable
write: 5,42
